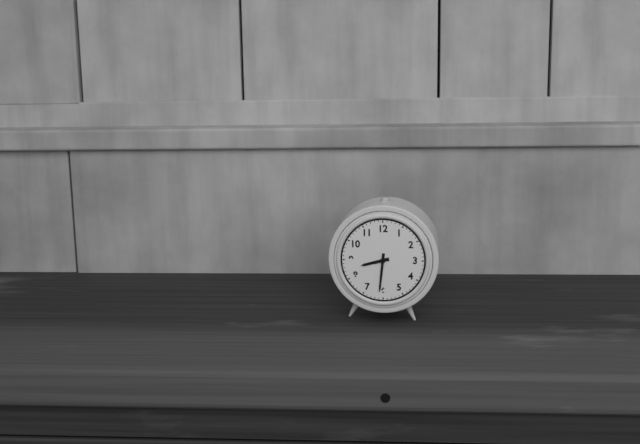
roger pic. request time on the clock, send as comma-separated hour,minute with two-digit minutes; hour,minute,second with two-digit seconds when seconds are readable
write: 8,31
